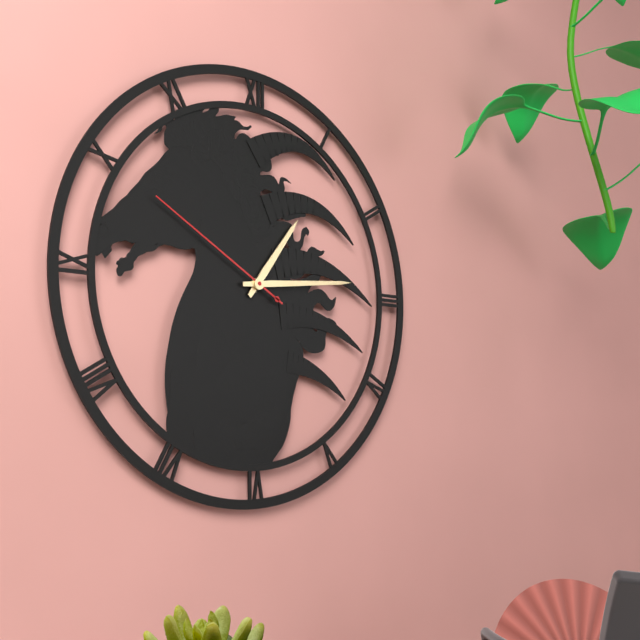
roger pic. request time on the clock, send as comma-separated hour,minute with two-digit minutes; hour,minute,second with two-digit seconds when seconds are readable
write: 1,14,50
